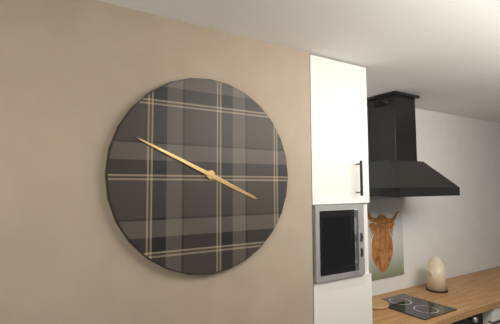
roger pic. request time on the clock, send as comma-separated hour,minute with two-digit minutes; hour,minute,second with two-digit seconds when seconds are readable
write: 3,49
